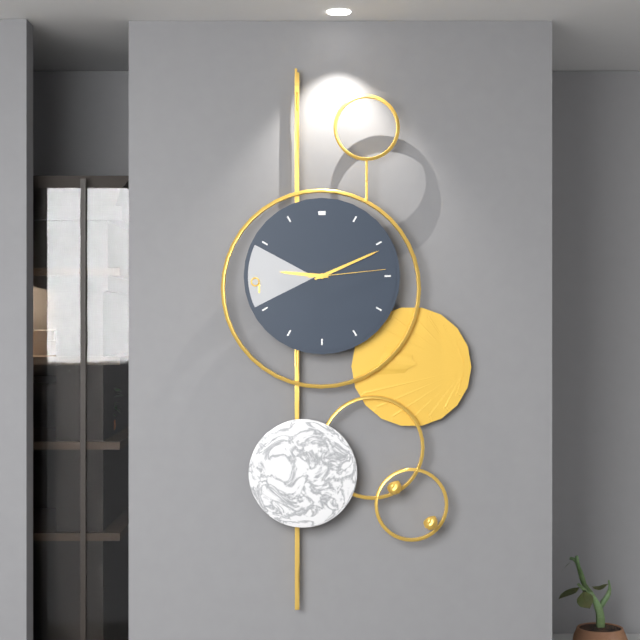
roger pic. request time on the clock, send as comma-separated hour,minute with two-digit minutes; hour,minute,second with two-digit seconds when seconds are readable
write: 9,11,14
